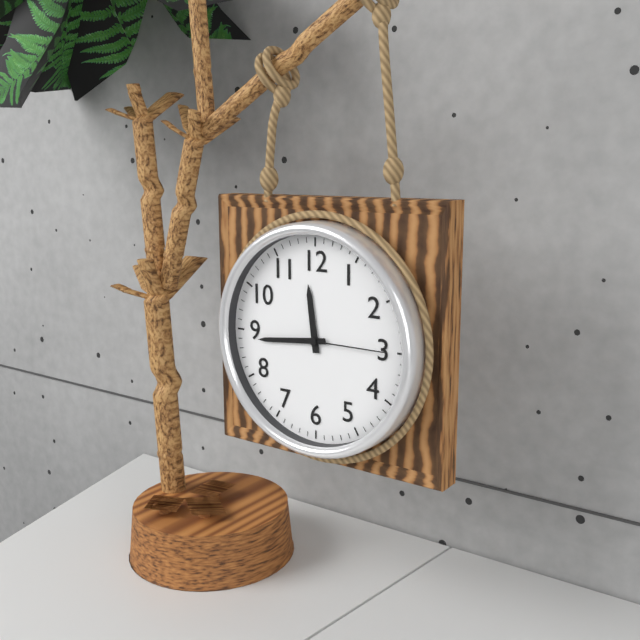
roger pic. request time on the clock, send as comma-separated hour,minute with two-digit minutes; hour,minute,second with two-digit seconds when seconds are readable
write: 11,44,15
